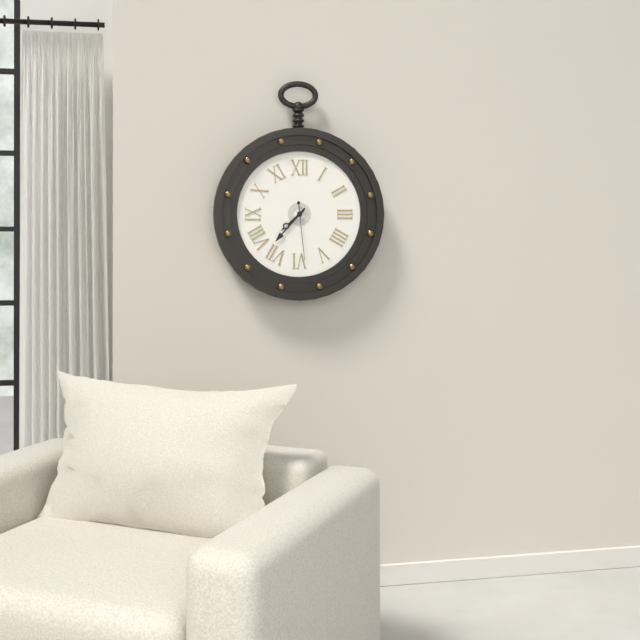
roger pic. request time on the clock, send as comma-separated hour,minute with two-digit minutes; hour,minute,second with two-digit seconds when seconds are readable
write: 7,37,29
